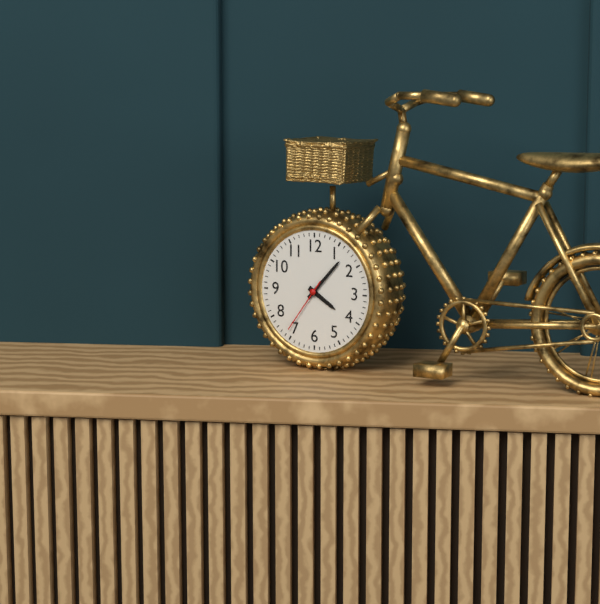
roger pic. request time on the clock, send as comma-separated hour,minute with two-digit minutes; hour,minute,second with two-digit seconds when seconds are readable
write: 4,07,36
